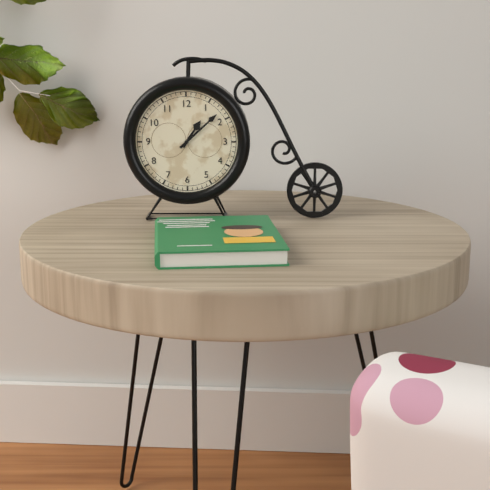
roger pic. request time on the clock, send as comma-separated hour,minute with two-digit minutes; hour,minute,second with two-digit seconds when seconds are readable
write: 1,08
